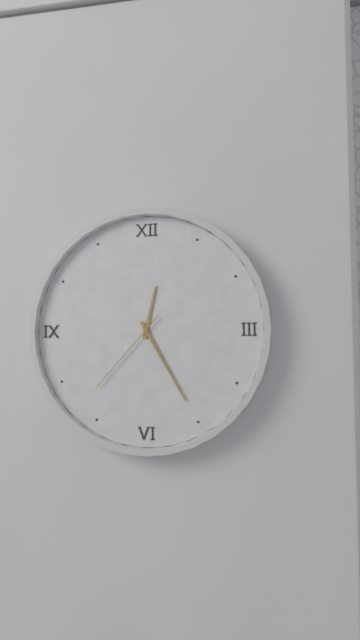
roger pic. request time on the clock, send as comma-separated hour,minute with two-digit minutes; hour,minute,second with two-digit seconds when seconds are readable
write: 12,25,37
